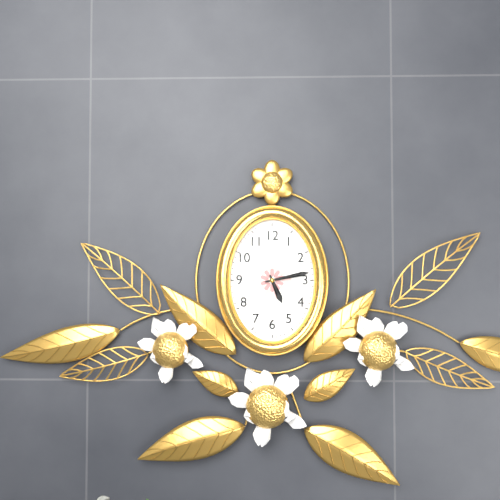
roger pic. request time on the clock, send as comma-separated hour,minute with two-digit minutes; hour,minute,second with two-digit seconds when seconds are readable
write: 5,13
